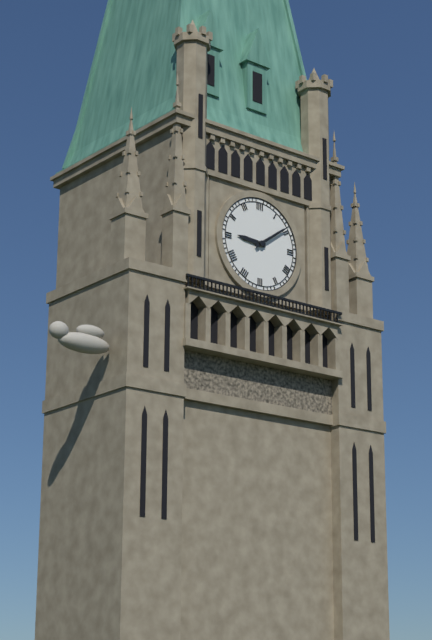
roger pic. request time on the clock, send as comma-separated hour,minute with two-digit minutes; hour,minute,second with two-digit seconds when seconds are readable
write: 9,09
